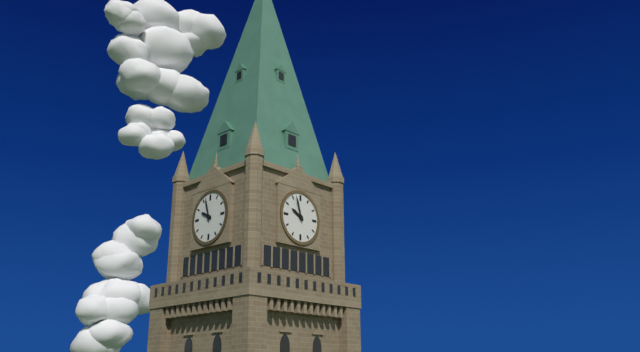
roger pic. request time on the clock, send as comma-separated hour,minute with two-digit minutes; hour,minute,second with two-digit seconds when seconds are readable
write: 9,57
